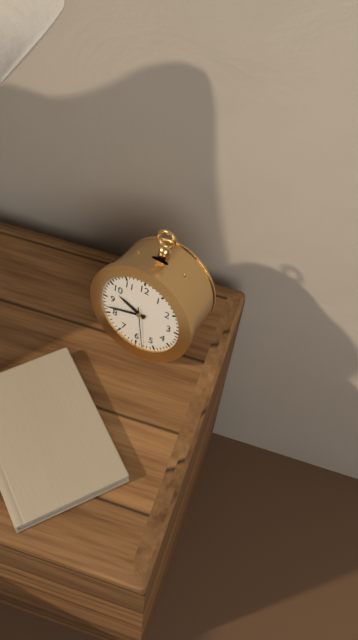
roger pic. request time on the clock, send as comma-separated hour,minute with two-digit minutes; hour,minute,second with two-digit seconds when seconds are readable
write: 9,42
